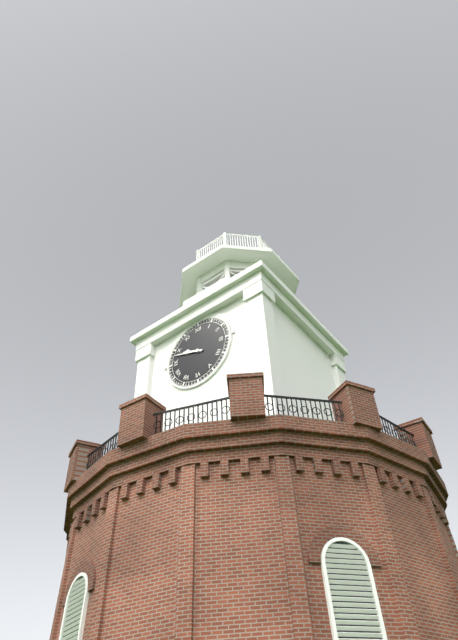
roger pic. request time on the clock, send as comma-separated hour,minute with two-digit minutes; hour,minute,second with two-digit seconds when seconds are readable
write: 9,48
